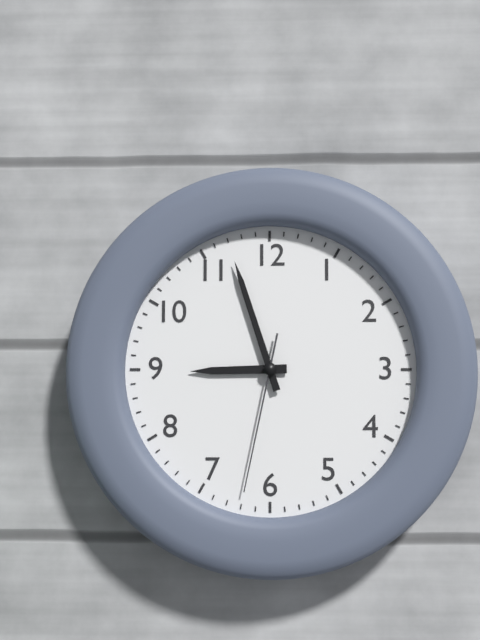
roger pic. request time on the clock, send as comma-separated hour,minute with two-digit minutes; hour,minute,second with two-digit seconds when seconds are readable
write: 8,57,32
